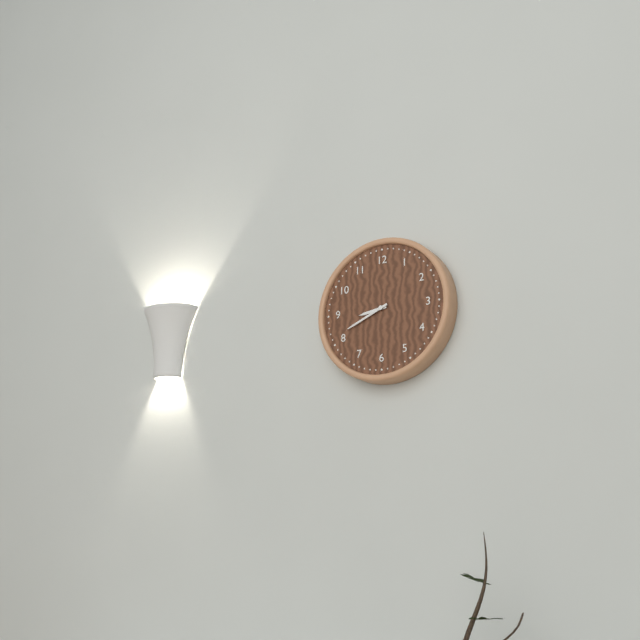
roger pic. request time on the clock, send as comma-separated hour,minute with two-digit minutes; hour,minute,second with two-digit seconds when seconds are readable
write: 8,41
